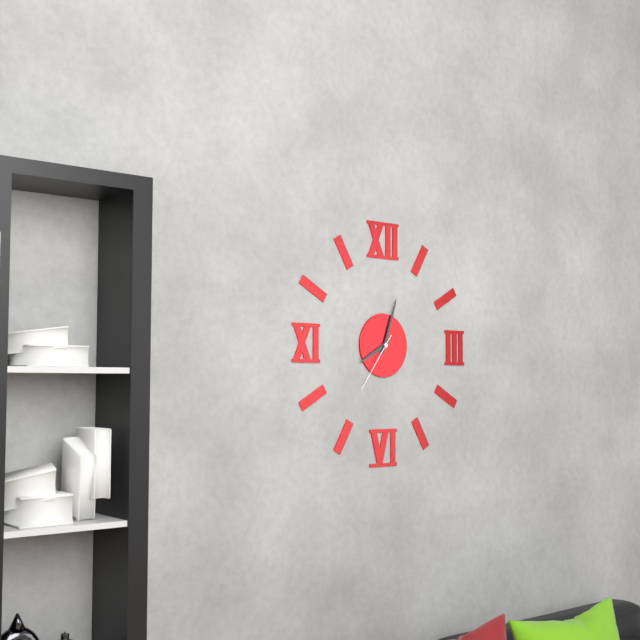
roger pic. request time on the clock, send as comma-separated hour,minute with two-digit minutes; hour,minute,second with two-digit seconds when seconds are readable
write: 8,03,36
